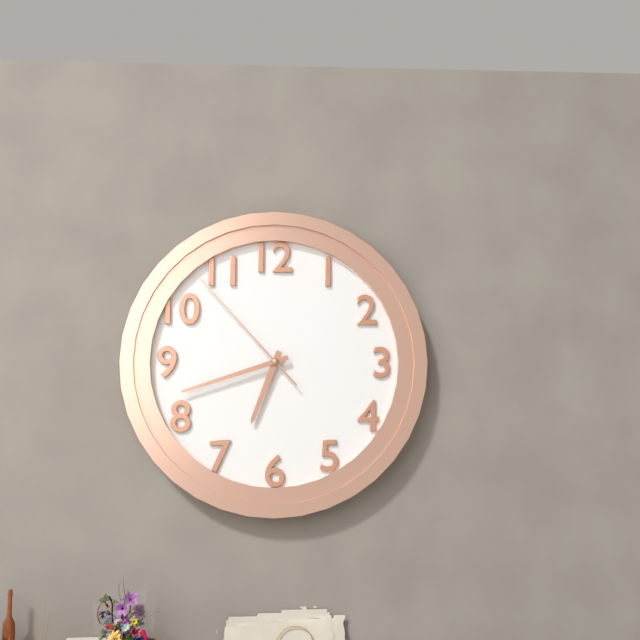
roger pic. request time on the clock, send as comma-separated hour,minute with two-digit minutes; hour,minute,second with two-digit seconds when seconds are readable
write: 6,42,53
